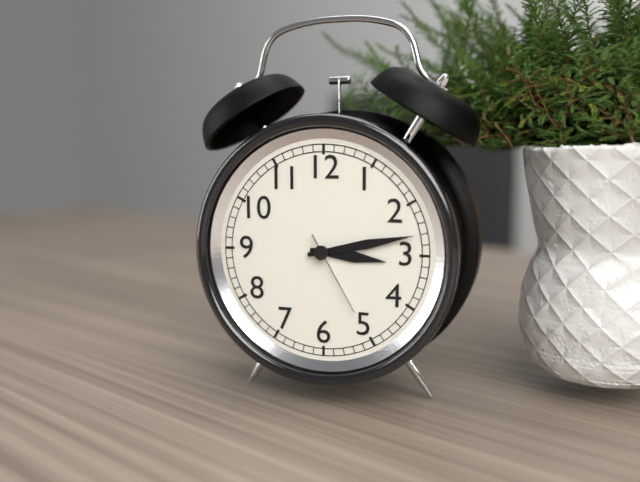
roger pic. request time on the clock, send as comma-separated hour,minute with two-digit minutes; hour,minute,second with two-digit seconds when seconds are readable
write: 3,13,25
